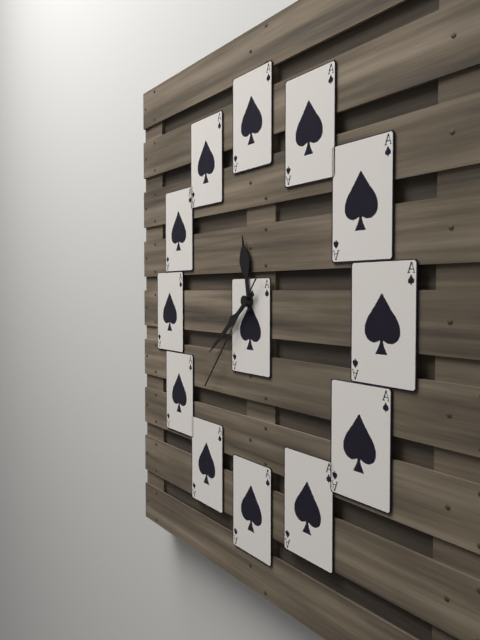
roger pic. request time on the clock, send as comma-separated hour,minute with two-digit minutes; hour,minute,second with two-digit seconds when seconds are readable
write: 11,39,37
